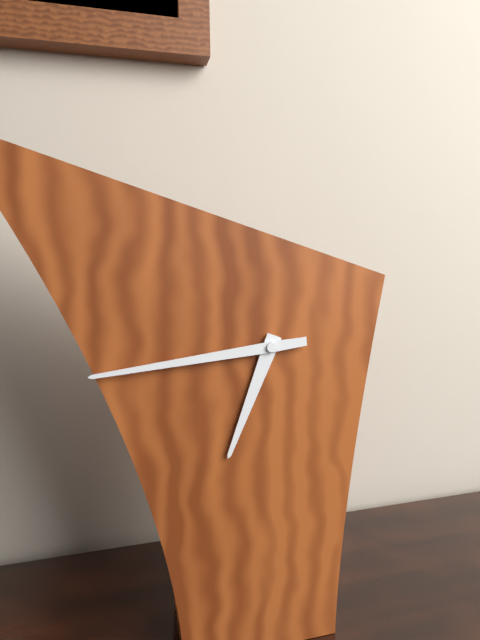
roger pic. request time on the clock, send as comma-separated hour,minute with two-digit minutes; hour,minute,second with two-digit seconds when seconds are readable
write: 6,44
